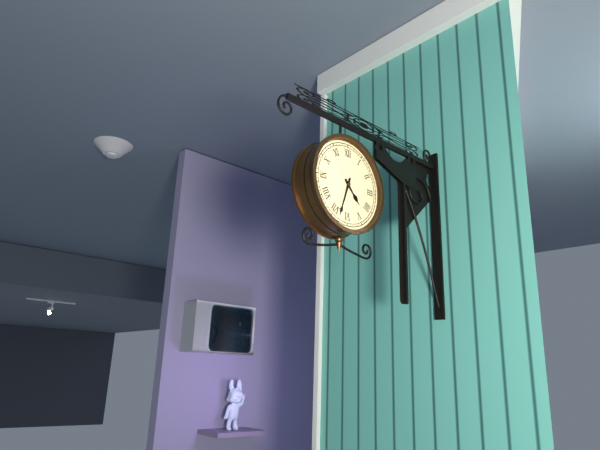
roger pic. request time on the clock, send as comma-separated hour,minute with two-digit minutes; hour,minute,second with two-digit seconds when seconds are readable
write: 4,33
